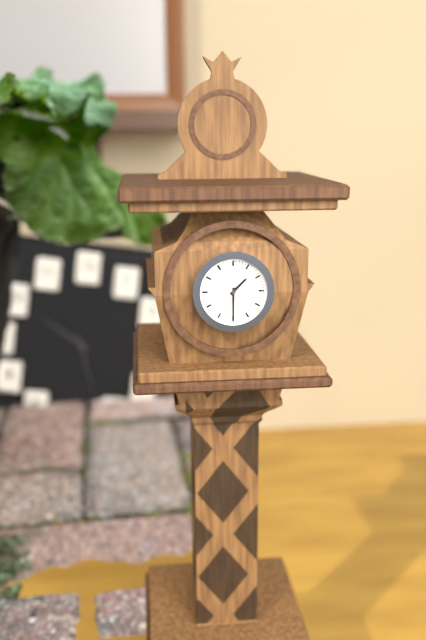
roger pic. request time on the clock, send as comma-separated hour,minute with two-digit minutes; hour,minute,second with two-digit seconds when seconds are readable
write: 1,30
